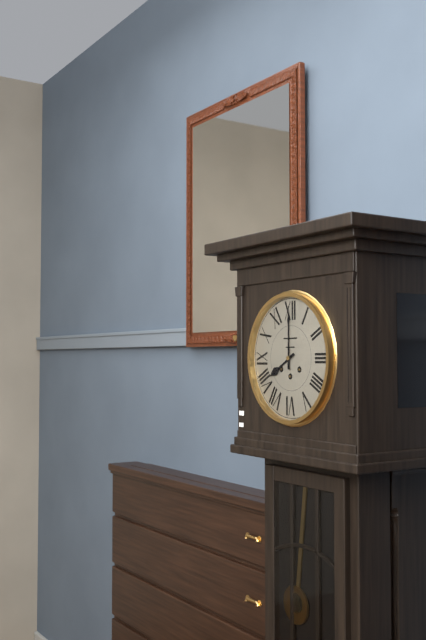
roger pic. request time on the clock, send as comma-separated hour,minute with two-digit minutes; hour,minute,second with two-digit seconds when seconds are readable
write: 8,00
